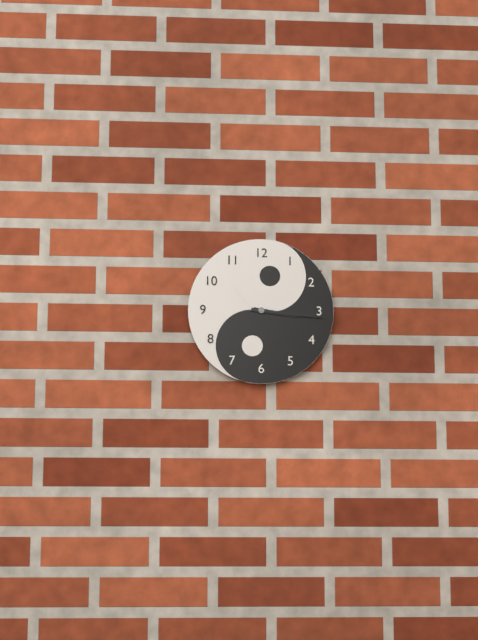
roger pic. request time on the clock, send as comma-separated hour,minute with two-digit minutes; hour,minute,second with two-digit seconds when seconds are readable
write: 3,16
